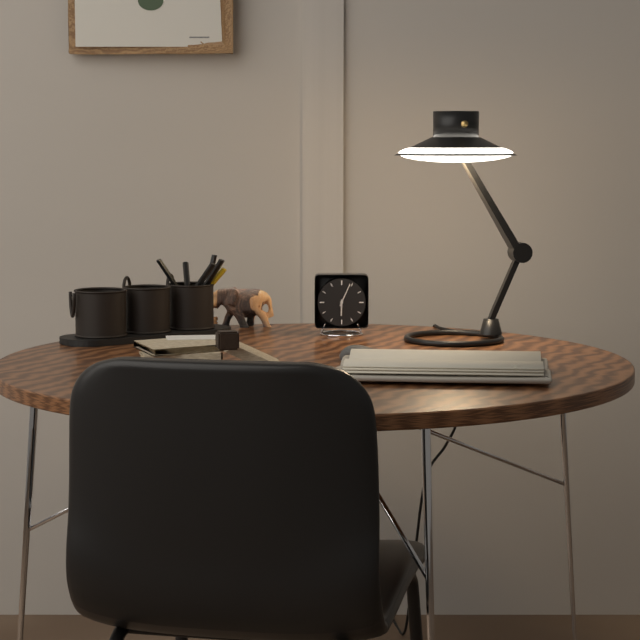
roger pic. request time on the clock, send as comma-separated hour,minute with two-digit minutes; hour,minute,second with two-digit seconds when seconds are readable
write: 6,04
